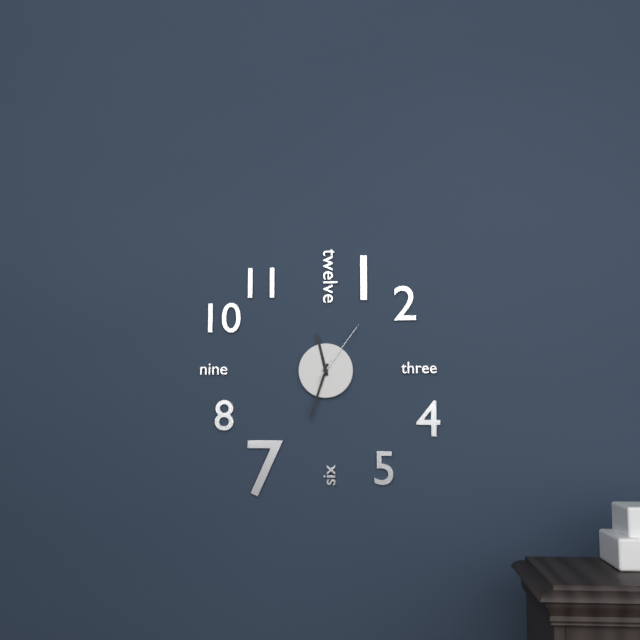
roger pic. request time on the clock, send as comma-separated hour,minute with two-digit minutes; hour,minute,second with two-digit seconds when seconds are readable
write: 11,33,06
